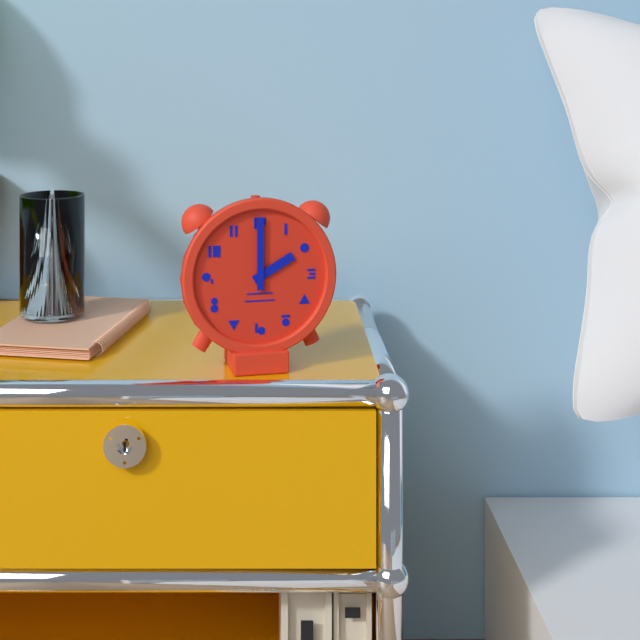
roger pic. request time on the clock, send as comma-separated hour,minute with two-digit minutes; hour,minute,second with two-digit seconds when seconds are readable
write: 2,00
